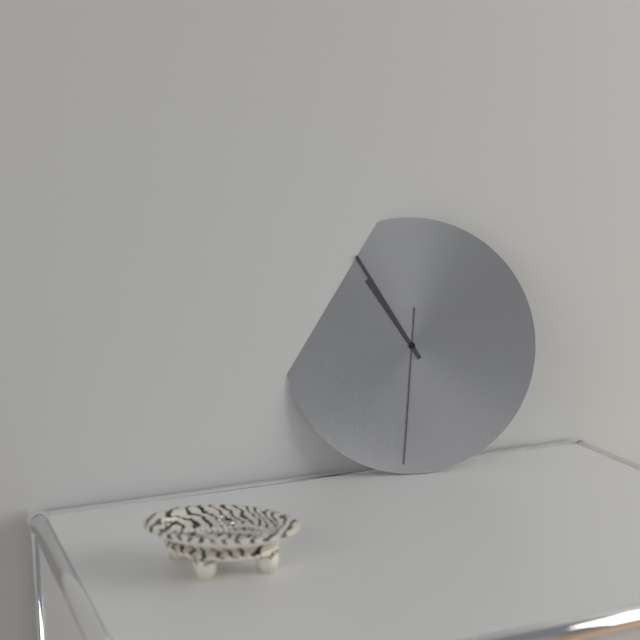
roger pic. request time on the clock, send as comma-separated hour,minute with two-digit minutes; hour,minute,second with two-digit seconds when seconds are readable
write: 10,55,31
